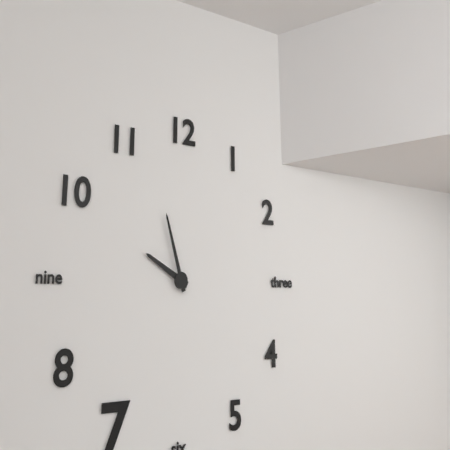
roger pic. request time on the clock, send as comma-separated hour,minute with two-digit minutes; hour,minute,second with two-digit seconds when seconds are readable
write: 9,57
